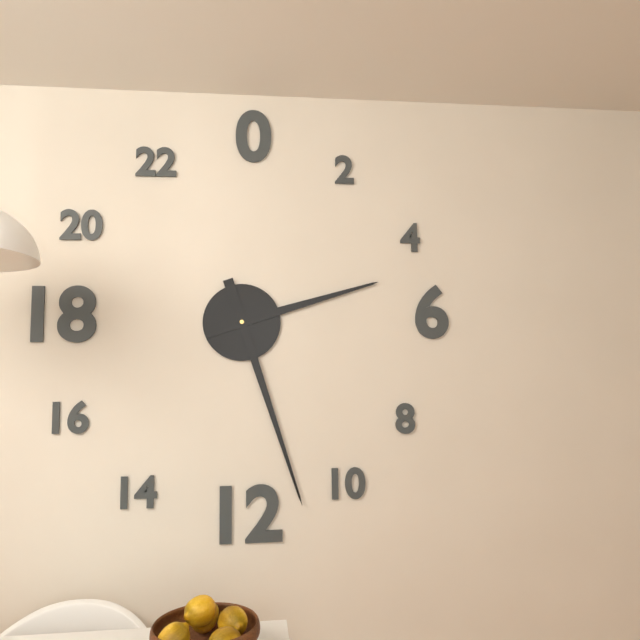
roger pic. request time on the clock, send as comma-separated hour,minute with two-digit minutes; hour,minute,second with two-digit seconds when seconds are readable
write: 2,27
